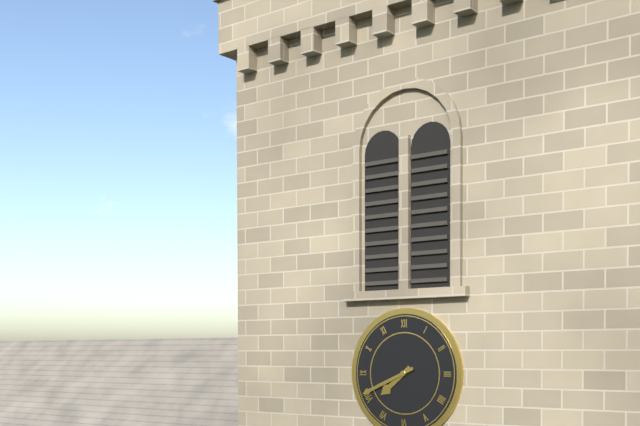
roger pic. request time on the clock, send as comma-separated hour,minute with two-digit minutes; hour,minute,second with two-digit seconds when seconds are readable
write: 7,41
